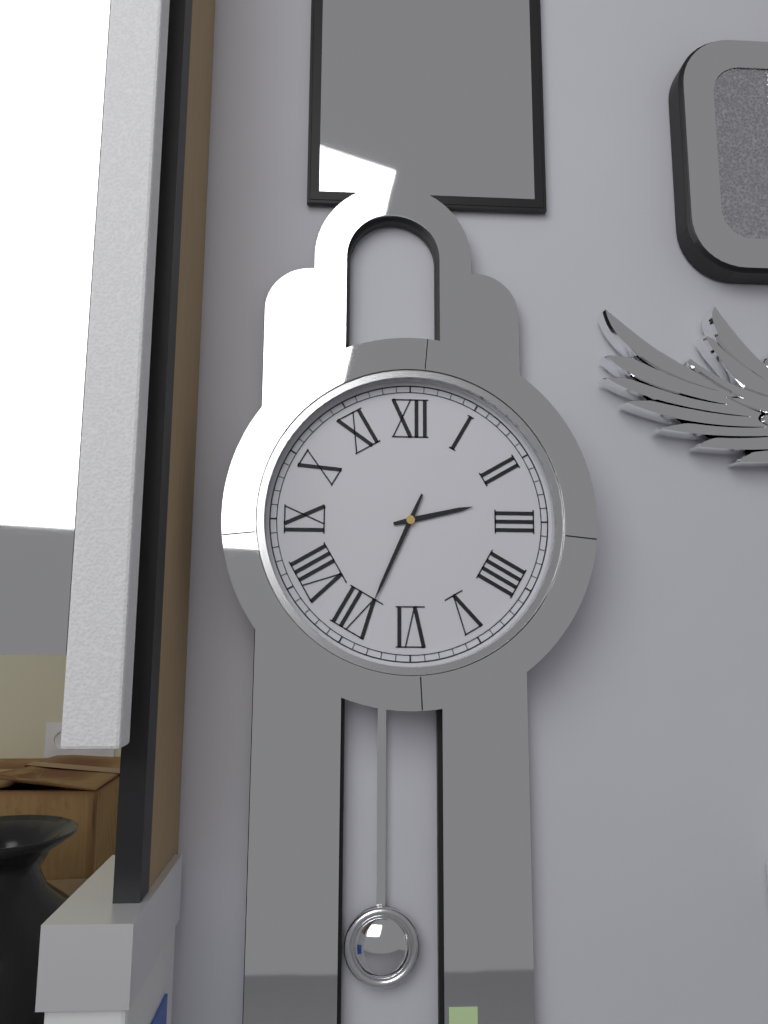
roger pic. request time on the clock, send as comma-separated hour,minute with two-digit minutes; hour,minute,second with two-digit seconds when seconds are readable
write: 2,34
